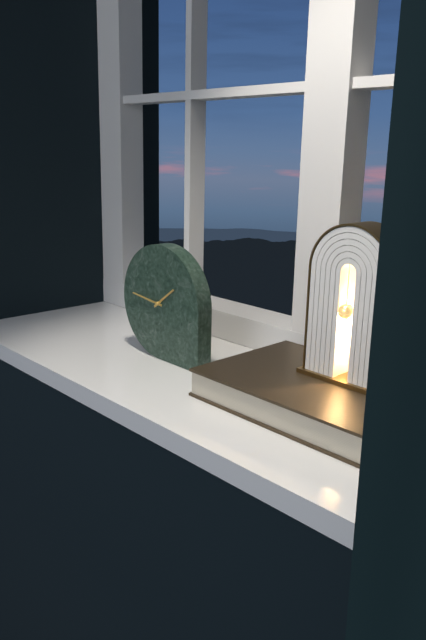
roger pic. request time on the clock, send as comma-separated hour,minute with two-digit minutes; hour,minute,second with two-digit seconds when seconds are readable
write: 1,46
